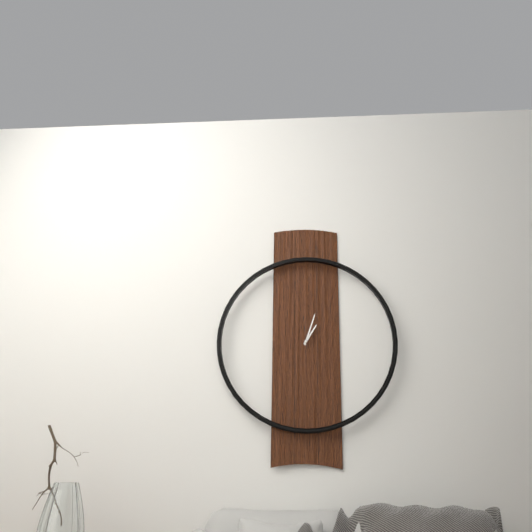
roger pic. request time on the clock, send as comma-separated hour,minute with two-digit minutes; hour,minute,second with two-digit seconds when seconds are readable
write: 1,03
